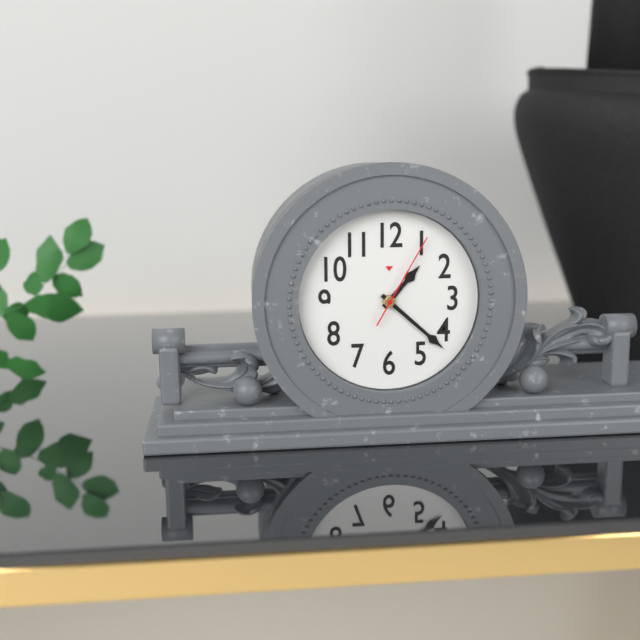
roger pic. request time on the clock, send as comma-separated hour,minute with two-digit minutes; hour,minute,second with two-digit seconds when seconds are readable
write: 1,22,05
